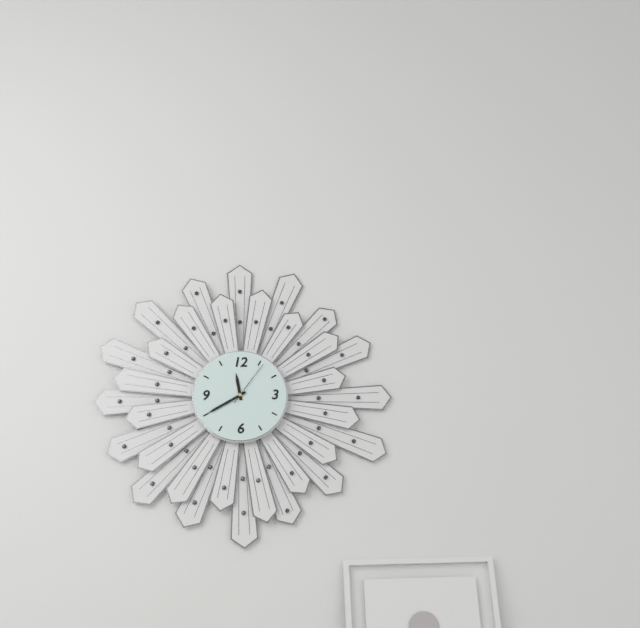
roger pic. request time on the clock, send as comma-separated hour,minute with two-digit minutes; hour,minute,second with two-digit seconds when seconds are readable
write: 11,40
